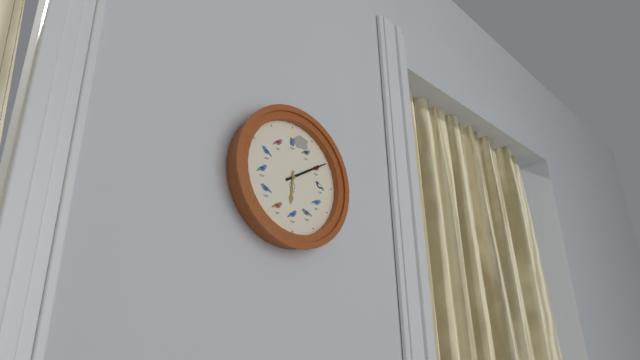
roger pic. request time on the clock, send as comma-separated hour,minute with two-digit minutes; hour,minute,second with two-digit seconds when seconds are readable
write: 6,10
